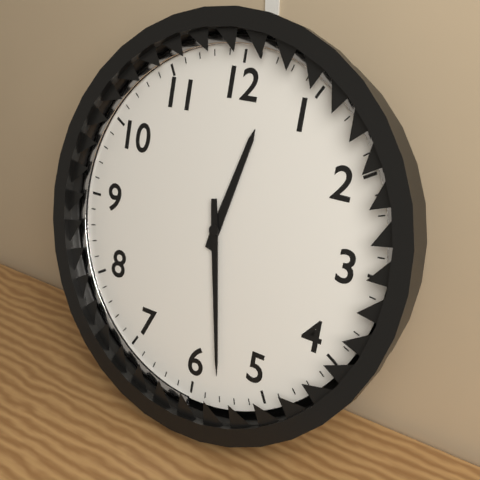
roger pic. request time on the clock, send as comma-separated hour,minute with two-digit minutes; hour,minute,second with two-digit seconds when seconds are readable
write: 12,28
